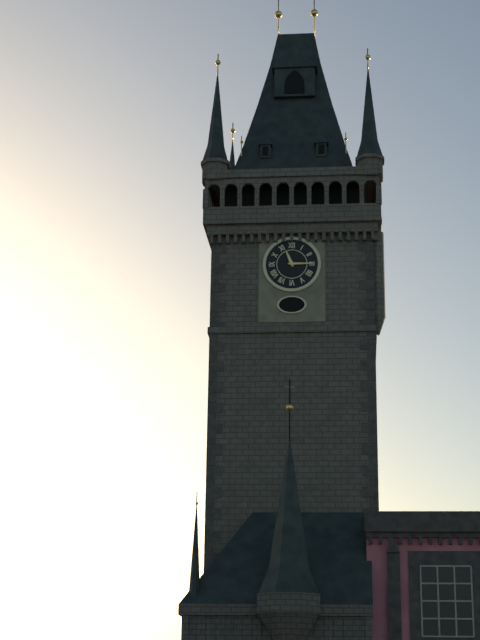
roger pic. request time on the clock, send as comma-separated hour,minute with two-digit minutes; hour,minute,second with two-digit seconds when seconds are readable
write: 11,15
